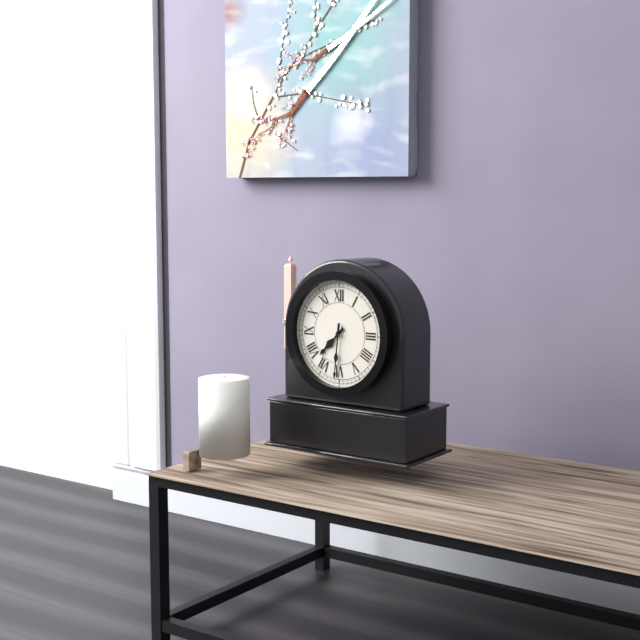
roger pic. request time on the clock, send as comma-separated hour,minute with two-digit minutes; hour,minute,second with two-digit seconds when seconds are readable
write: 7,31
